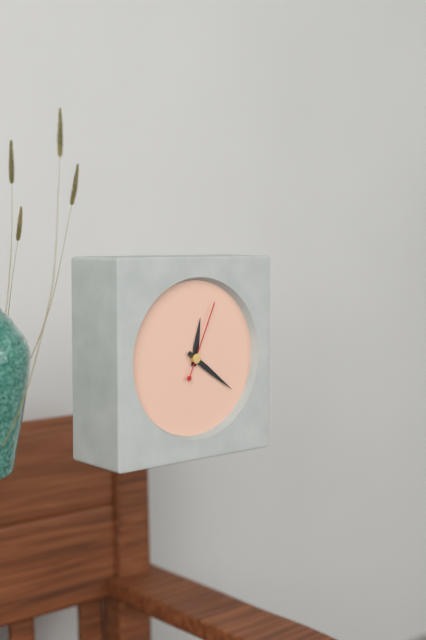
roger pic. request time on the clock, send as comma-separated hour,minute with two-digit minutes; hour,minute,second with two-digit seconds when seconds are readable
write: 12,21,04
